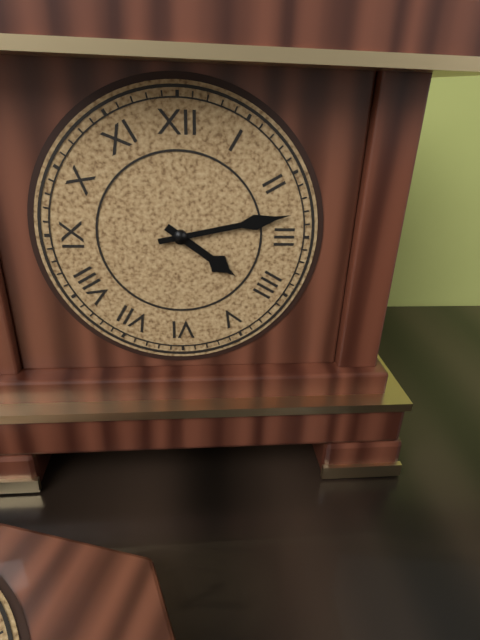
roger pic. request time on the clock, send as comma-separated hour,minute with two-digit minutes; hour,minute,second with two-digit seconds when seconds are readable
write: 4,13
